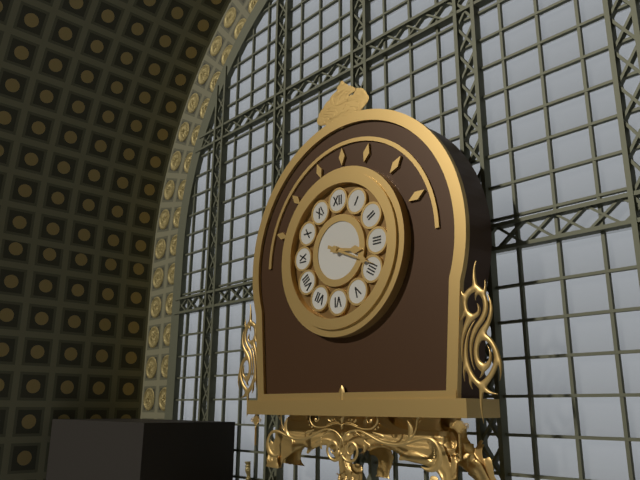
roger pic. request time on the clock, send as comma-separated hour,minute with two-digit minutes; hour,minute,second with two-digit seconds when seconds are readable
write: 3,19
